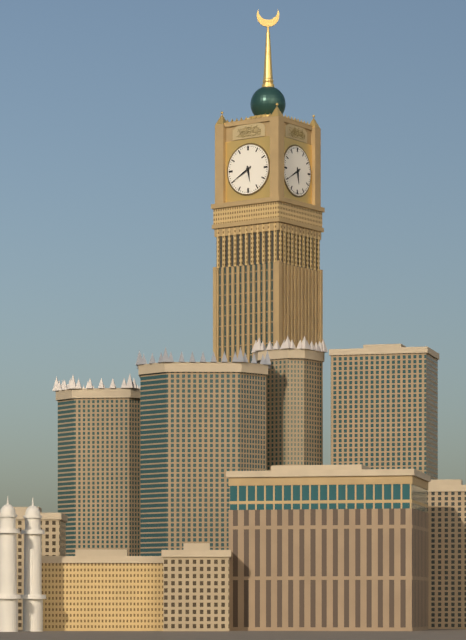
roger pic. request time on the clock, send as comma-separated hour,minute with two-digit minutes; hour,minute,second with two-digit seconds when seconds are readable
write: 5,40
